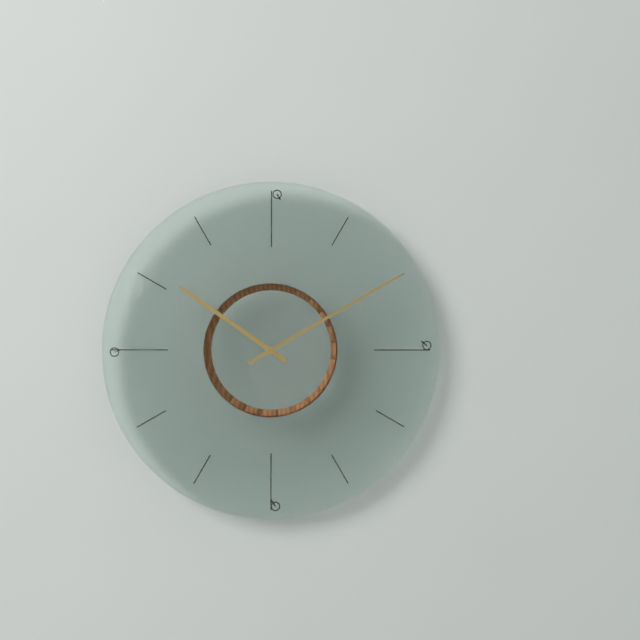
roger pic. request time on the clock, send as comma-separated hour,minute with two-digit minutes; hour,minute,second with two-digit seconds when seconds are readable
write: 10,10
